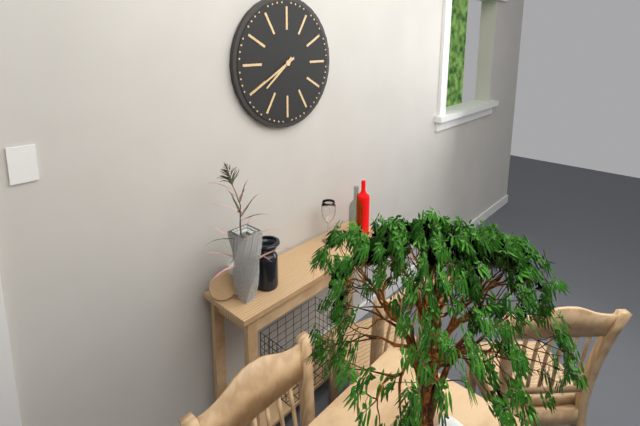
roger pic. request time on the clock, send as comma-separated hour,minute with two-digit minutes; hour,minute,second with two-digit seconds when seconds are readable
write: 7,40
